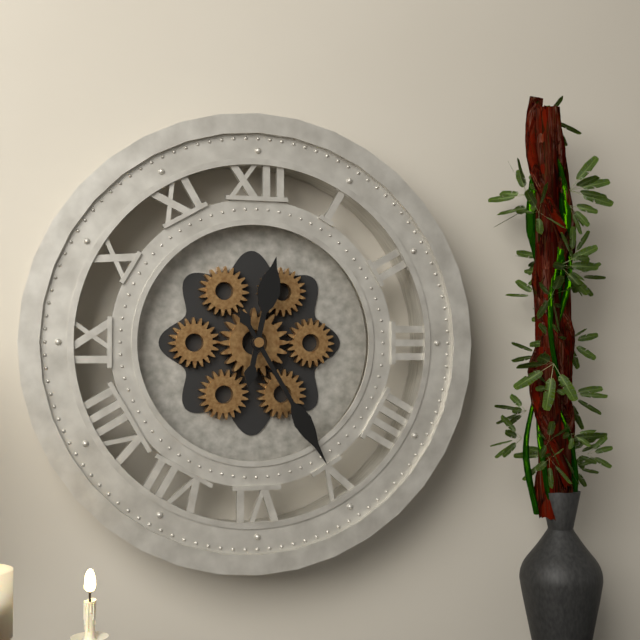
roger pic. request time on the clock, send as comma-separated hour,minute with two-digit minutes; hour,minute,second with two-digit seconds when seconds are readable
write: 12,25
